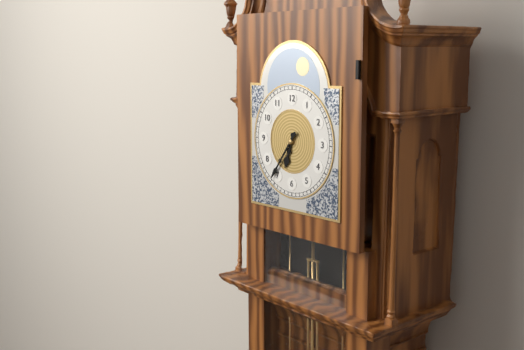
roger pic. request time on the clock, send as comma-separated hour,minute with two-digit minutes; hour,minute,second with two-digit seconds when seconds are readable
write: 6,36
